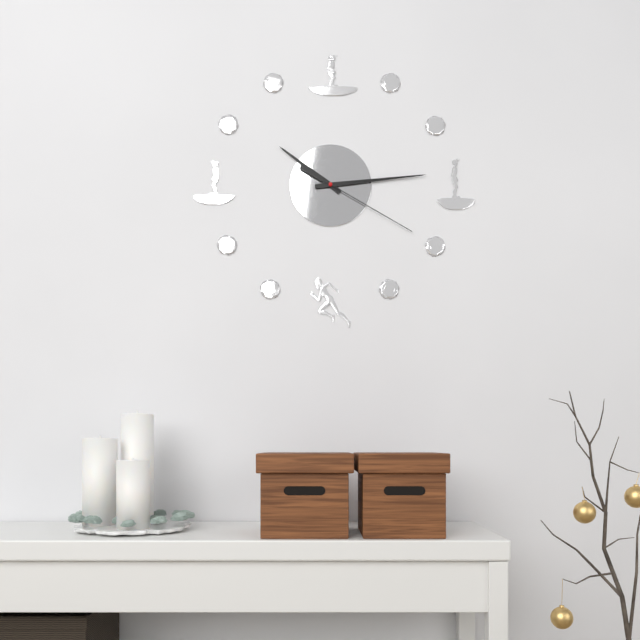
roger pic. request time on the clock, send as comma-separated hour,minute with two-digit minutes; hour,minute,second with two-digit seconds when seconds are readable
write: 10,14,20
